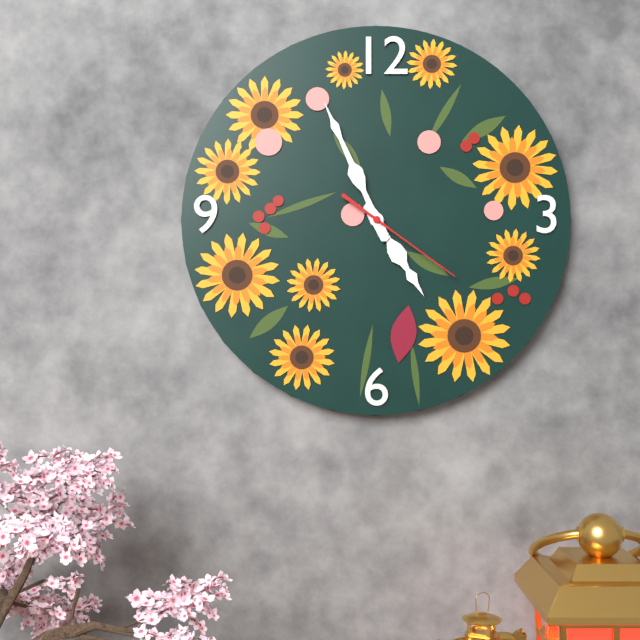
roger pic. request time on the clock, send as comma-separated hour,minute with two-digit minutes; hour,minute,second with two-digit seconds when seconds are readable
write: 4,56,21
